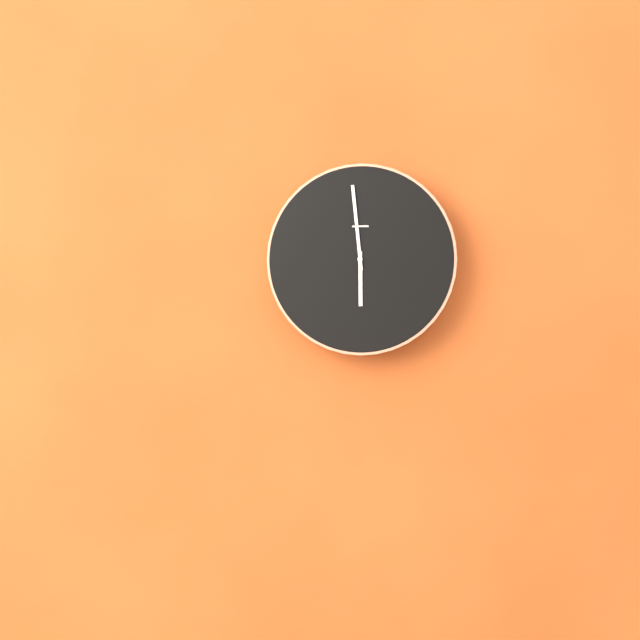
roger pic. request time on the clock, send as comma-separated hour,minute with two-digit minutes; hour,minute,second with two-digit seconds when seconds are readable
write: 5,59
